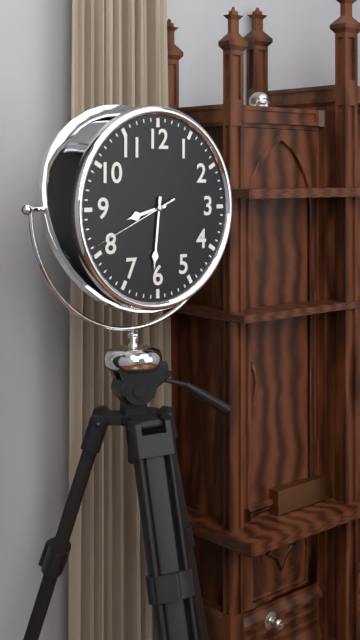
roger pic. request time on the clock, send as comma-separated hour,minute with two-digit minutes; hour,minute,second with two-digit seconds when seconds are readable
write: 8,31,41
